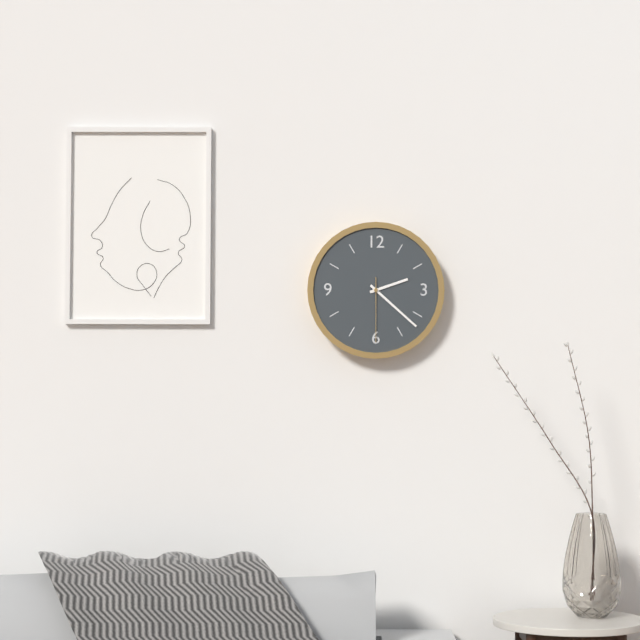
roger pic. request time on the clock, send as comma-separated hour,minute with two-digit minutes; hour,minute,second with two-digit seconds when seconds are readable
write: 2,22,30
